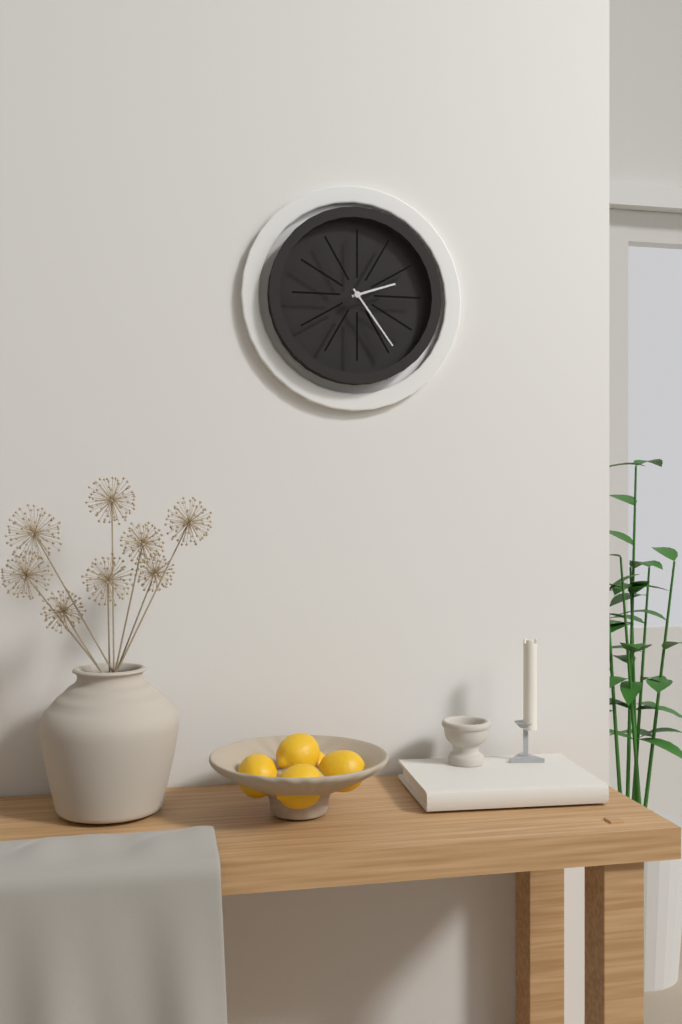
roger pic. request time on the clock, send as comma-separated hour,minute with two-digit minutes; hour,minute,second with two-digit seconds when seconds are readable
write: 2,24
